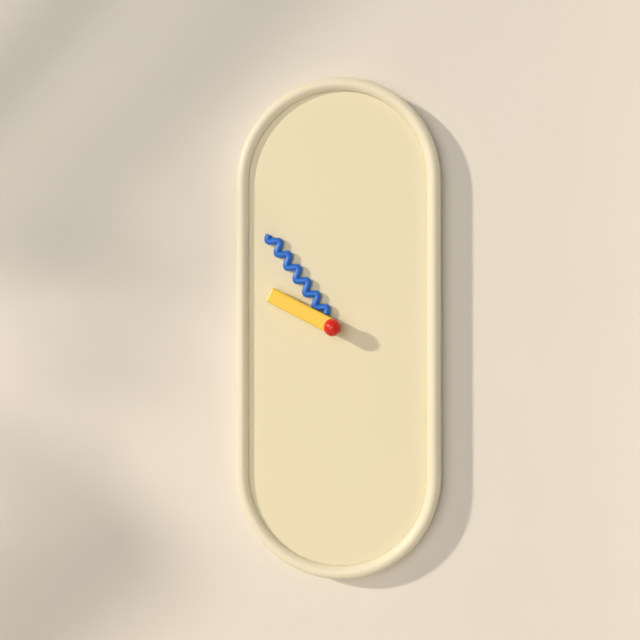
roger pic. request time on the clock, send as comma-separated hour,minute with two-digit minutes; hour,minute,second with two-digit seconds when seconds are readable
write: 9,54
